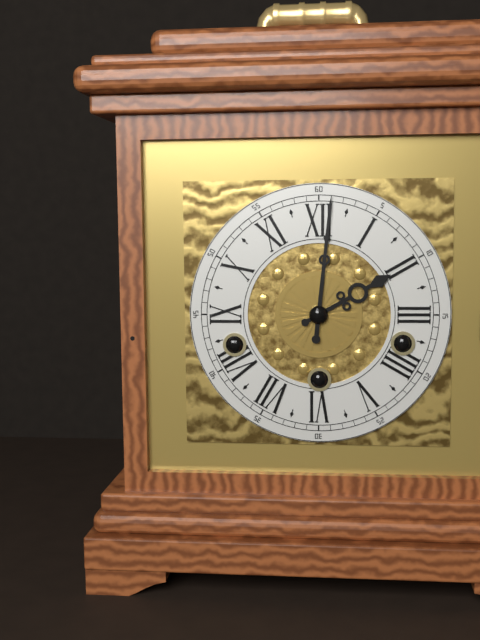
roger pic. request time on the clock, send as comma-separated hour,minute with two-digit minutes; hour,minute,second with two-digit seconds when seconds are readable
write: 2,01
